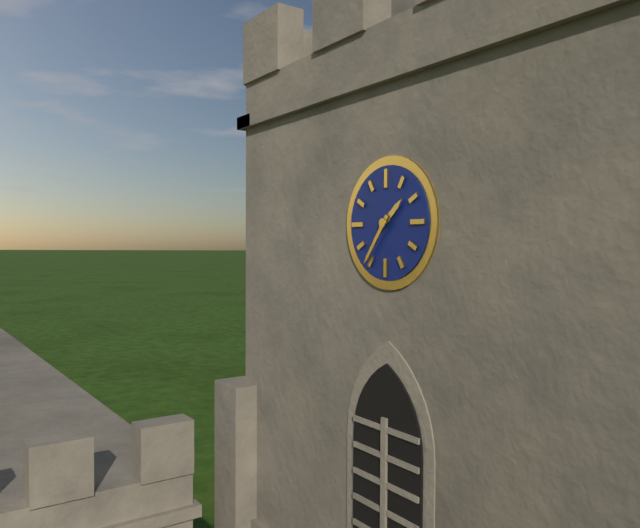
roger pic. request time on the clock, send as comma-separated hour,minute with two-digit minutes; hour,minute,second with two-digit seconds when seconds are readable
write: 1,36
